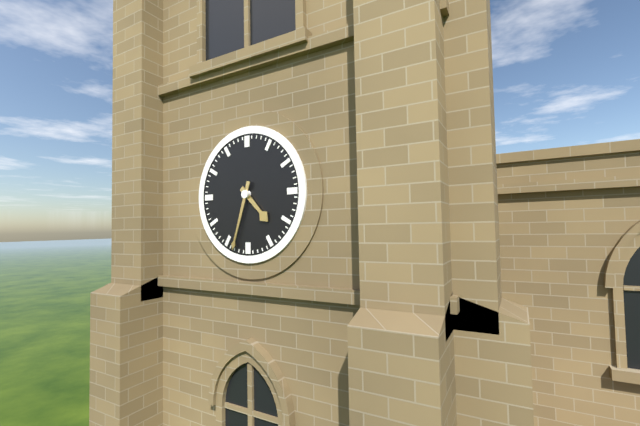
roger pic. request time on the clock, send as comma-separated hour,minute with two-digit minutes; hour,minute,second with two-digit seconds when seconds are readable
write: 4,33
